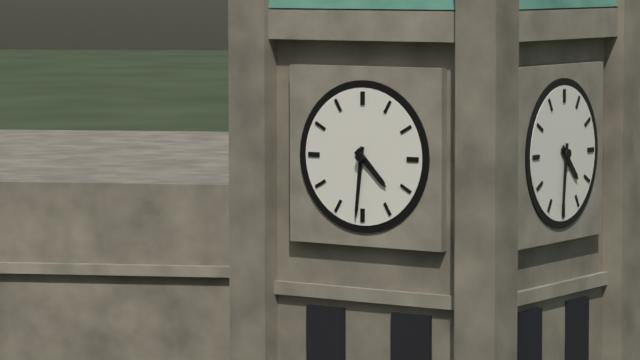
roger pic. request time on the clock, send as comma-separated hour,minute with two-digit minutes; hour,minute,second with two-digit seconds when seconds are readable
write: 4,31
